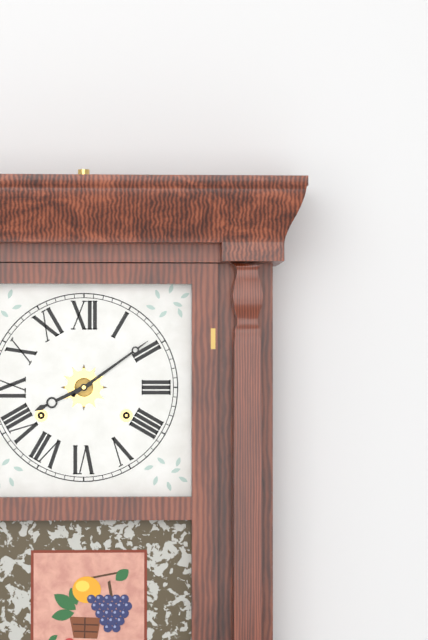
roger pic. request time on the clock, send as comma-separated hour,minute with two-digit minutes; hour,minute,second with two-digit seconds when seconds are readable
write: 8,09
